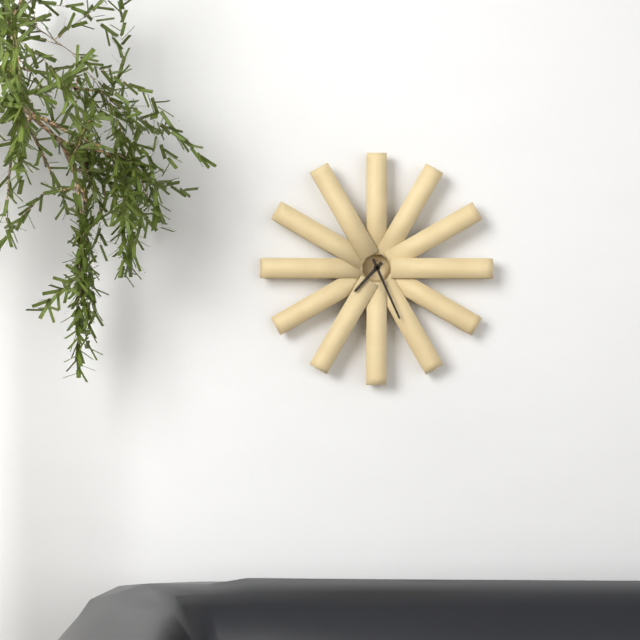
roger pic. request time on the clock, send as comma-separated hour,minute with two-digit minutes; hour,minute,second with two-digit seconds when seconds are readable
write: 7,26
